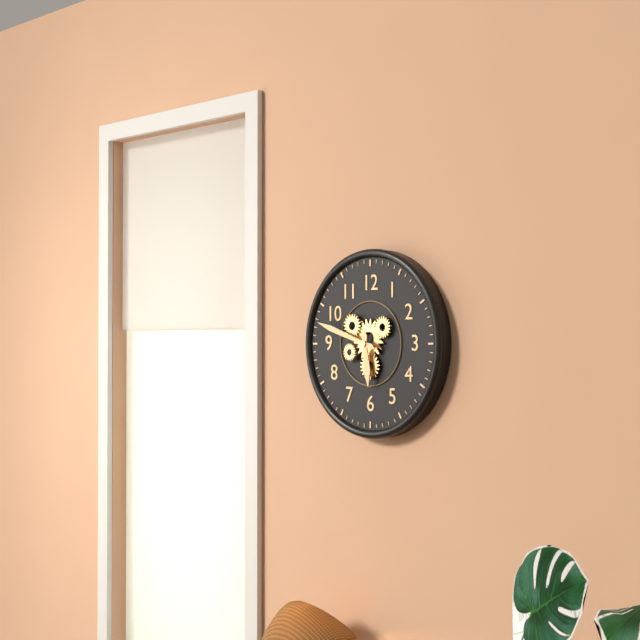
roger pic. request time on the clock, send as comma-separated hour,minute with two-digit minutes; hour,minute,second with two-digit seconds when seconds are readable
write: 5,48
